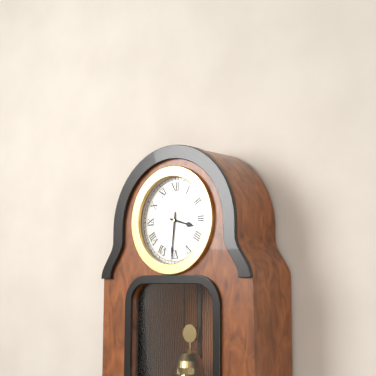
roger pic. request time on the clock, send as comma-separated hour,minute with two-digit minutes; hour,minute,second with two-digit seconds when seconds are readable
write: 3,31
